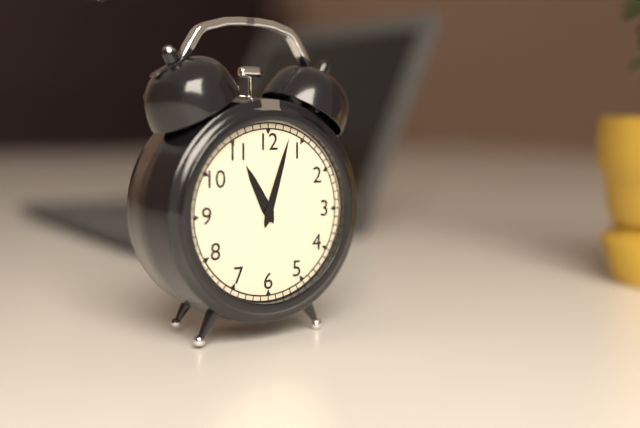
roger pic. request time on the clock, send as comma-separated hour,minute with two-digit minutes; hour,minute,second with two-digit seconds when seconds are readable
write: 11,03
